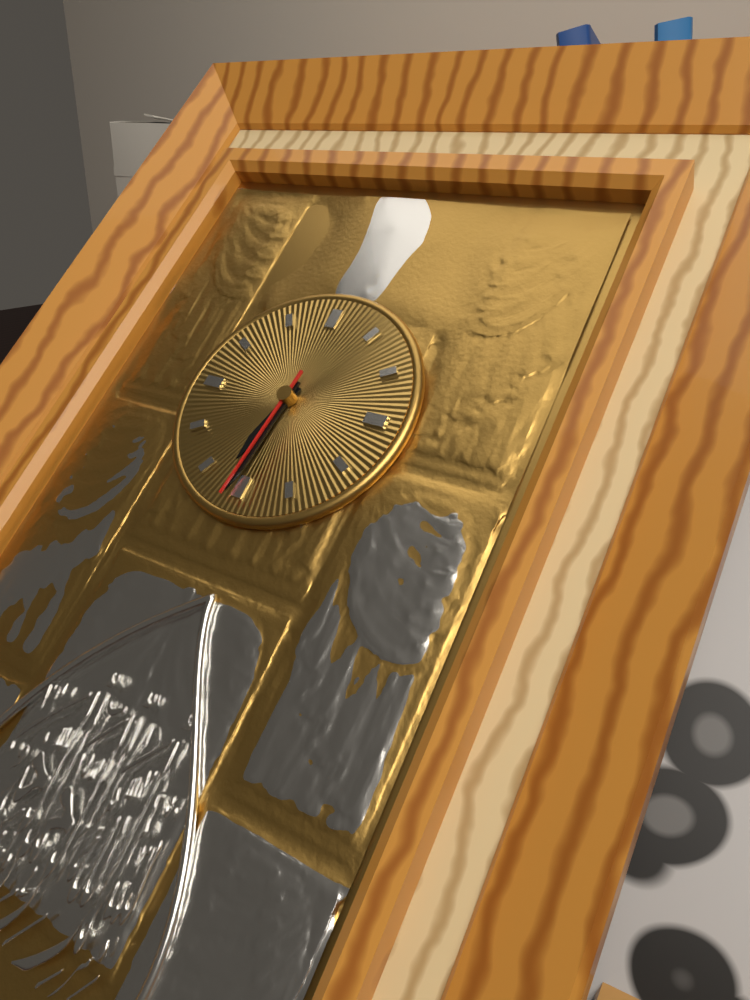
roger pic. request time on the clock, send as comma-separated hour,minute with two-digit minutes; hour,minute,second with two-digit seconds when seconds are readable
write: 6,31,31
